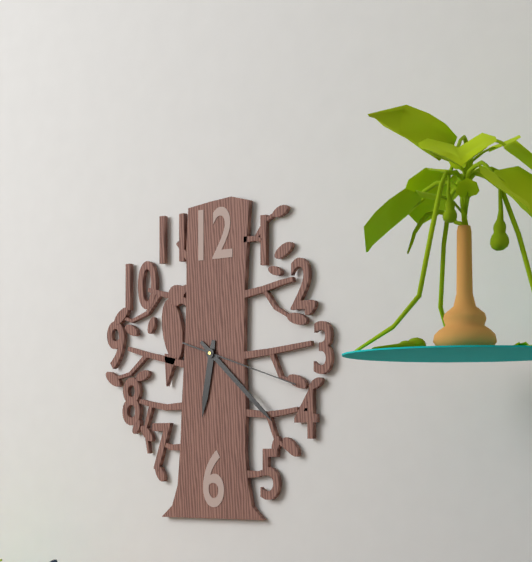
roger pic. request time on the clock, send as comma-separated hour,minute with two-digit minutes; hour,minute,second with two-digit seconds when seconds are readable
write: 6,22,18
